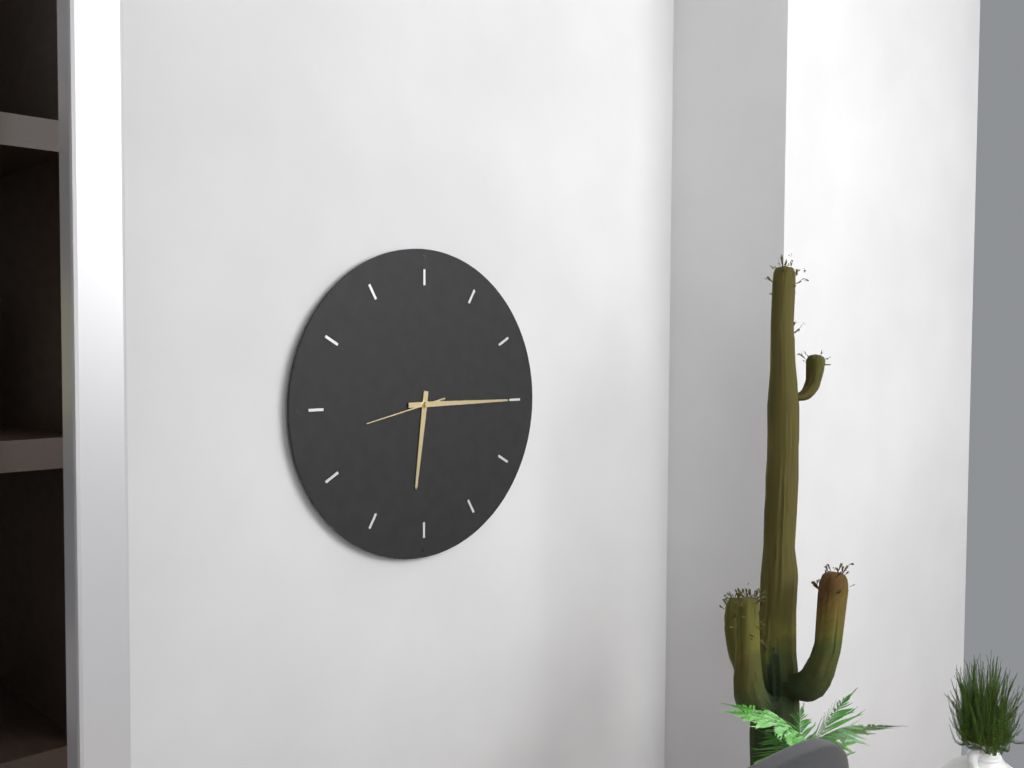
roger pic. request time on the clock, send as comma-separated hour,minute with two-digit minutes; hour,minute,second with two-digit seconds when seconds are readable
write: 6,15,43
